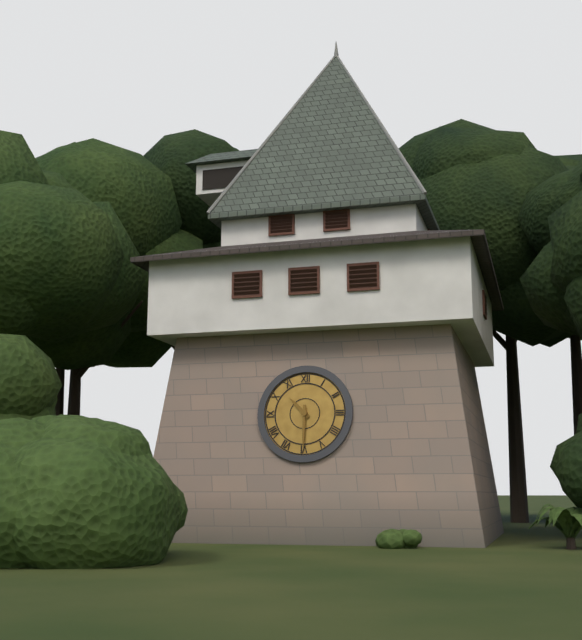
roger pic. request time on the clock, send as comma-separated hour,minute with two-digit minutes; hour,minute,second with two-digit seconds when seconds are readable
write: 10,30
